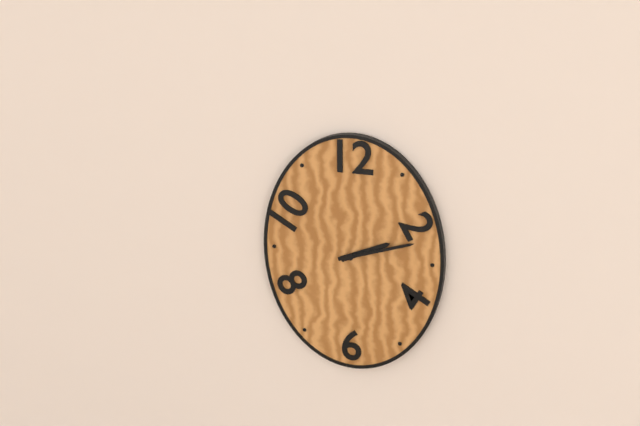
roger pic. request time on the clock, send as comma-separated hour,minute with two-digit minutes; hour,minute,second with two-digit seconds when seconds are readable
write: 2,12
